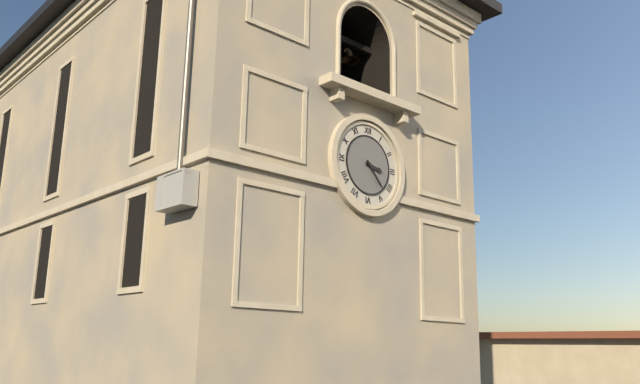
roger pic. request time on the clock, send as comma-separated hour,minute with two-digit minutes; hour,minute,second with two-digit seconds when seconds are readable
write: 3,23
